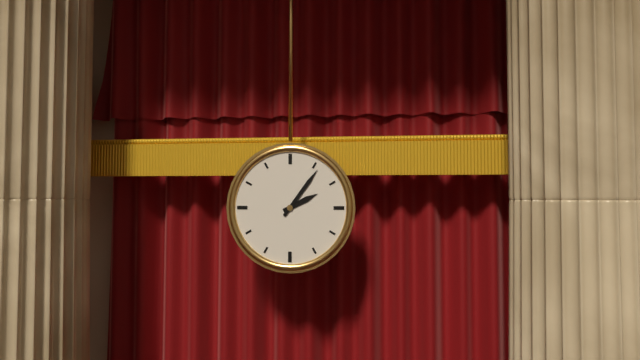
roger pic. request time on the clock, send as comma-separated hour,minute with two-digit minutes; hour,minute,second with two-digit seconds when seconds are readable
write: 2,06
